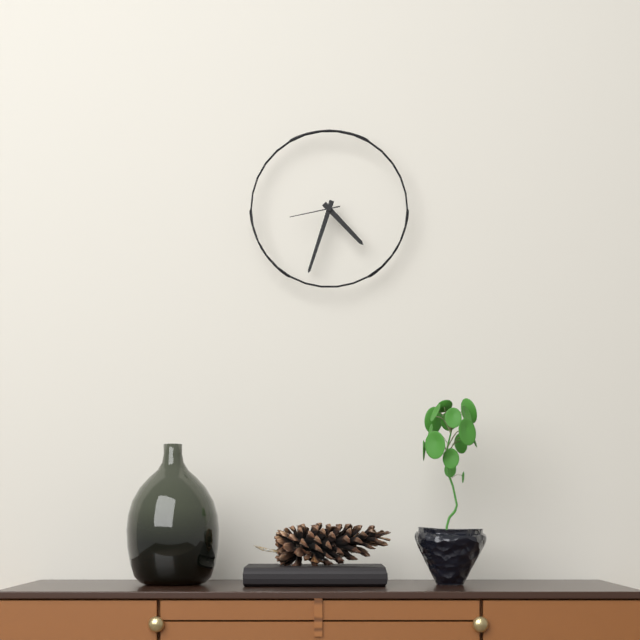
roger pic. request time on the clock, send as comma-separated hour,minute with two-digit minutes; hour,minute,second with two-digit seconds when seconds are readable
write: 4,33,43
